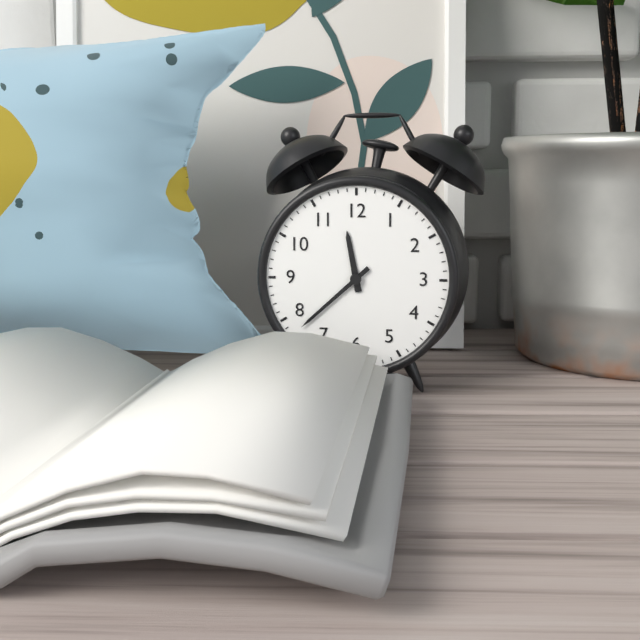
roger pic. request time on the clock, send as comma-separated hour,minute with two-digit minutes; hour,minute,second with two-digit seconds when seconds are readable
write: 11,38
